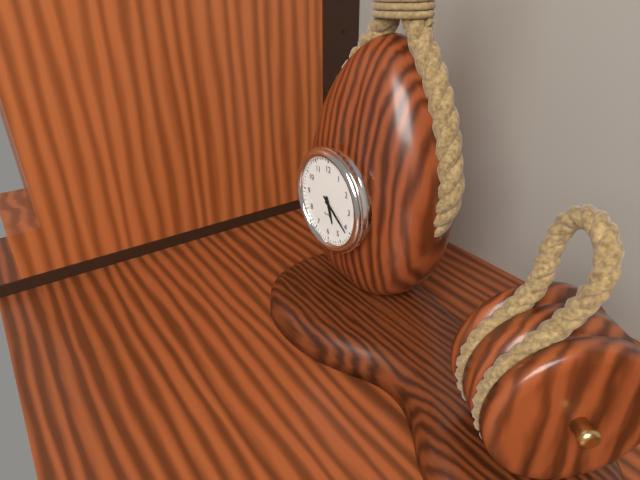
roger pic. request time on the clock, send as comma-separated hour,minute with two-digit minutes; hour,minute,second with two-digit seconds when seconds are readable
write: 5,21
